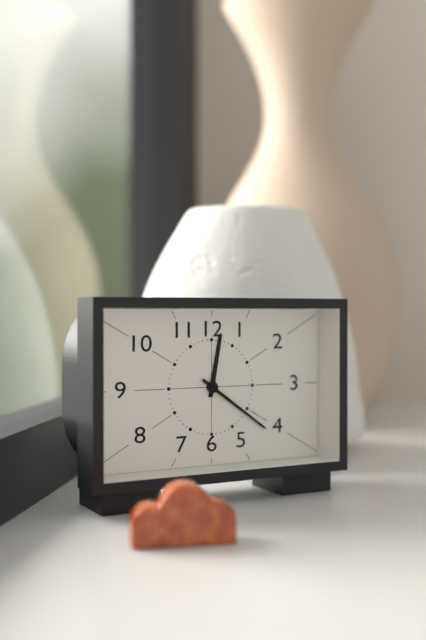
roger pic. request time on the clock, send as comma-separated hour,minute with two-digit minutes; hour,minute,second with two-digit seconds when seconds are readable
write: 12,21
